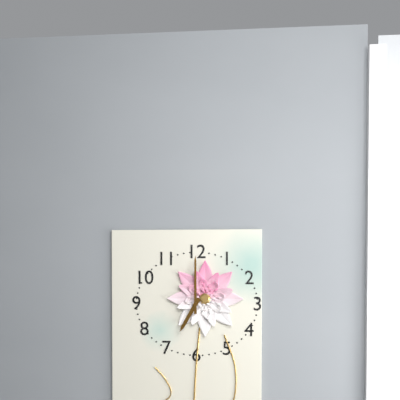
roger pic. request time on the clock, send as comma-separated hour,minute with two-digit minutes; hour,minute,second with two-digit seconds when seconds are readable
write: 7,00
